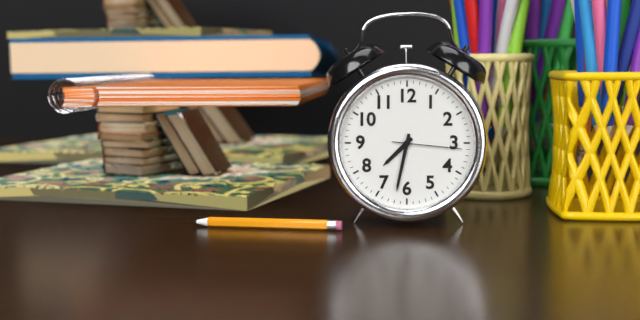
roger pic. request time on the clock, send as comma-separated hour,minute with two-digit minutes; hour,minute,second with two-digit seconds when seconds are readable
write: 7,32,16
